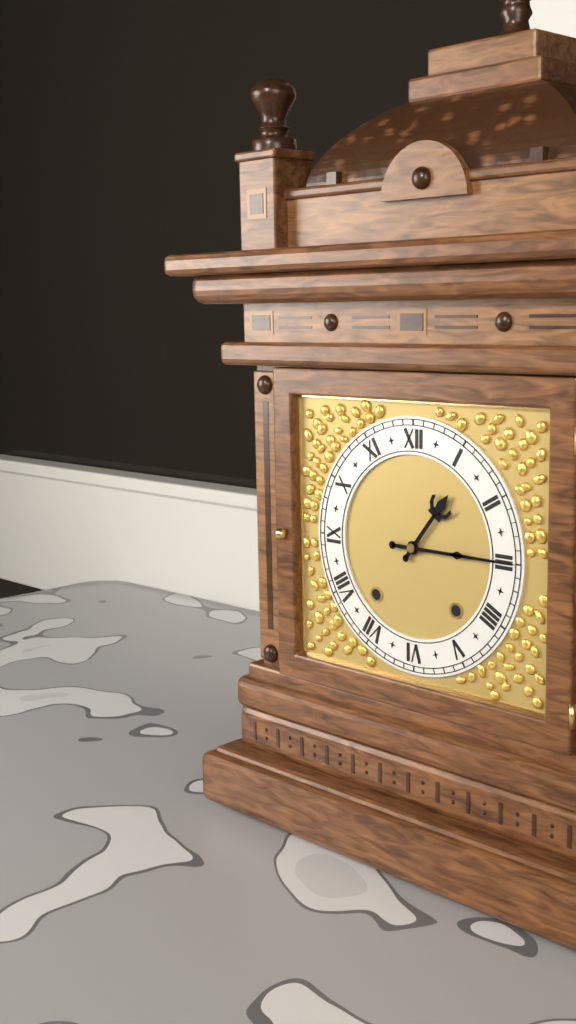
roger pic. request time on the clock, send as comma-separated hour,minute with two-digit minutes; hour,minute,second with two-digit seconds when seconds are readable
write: 1,15
